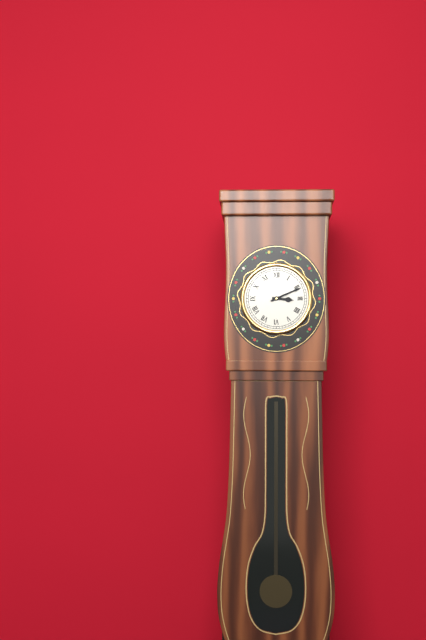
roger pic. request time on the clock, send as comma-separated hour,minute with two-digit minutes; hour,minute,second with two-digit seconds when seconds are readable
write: 3,11
